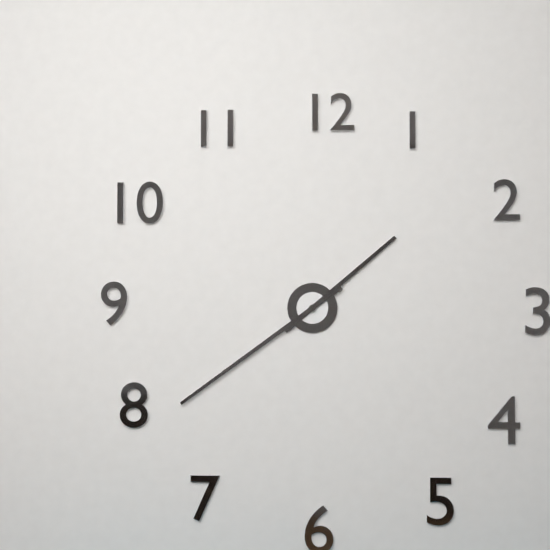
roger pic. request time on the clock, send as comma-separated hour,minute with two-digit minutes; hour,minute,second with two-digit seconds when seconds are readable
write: 1,39
